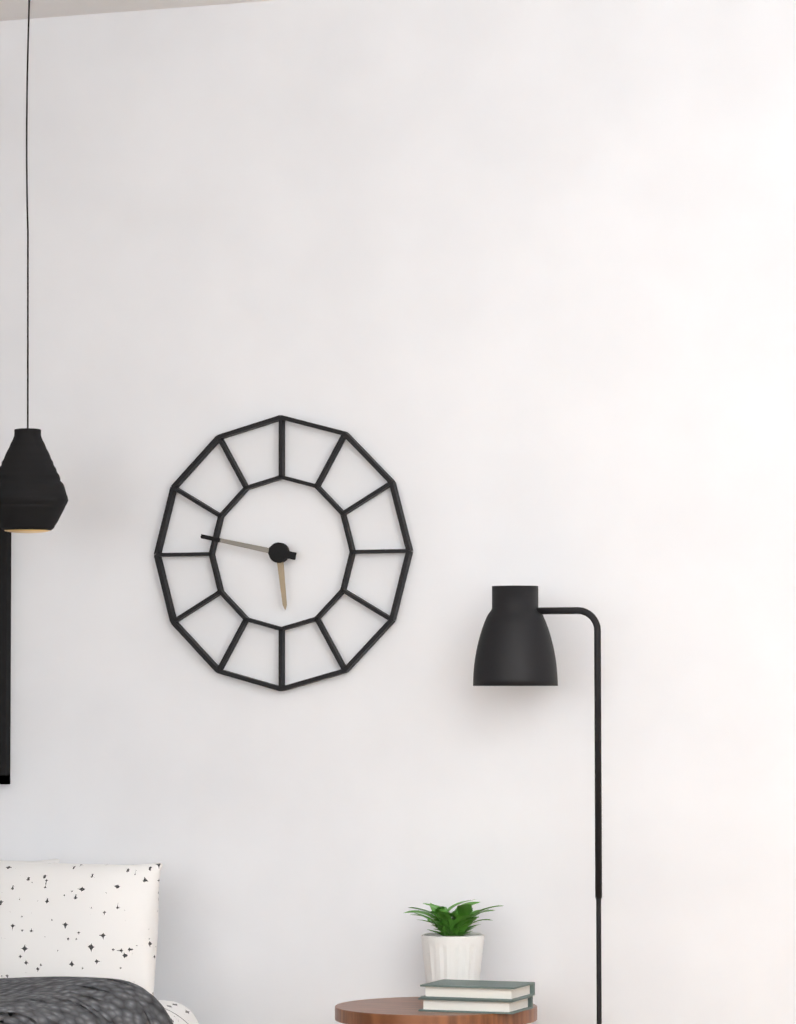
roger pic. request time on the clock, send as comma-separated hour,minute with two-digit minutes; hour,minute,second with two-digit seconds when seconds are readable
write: 5,47
